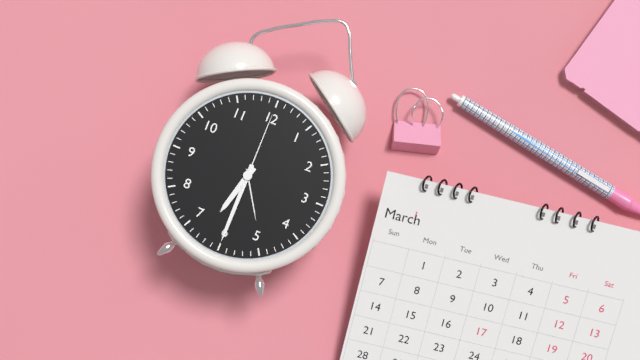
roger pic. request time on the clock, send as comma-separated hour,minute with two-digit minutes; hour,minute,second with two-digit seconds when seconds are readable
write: 6,30,00
